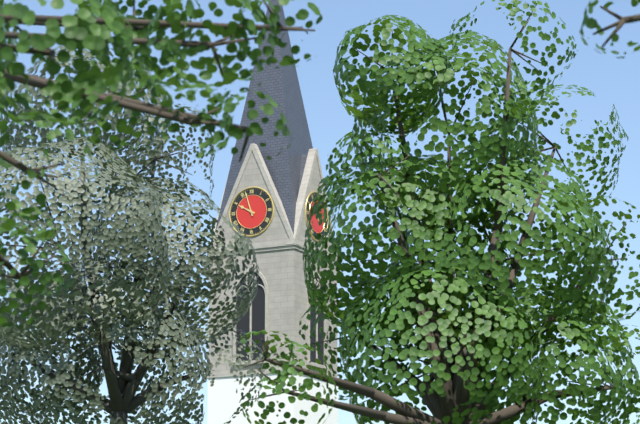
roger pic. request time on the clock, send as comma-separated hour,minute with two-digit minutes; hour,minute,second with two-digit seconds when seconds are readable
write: 9,57
